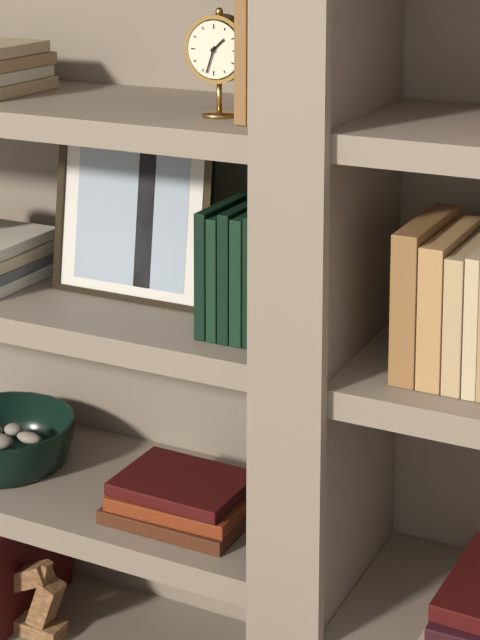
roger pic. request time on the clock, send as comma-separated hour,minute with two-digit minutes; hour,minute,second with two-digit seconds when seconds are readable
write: 1,33
